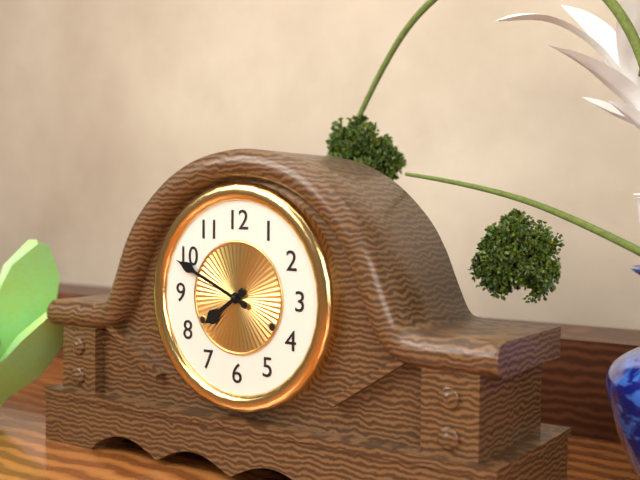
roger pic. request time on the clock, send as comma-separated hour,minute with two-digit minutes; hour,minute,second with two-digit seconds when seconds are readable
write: 7,49
